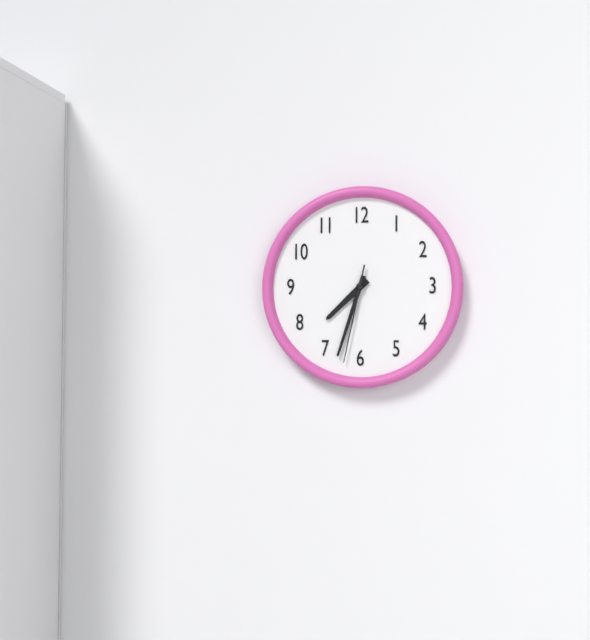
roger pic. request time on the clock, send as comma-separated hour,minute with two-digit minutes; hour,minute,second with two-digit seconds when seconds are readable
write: 7,33,32
